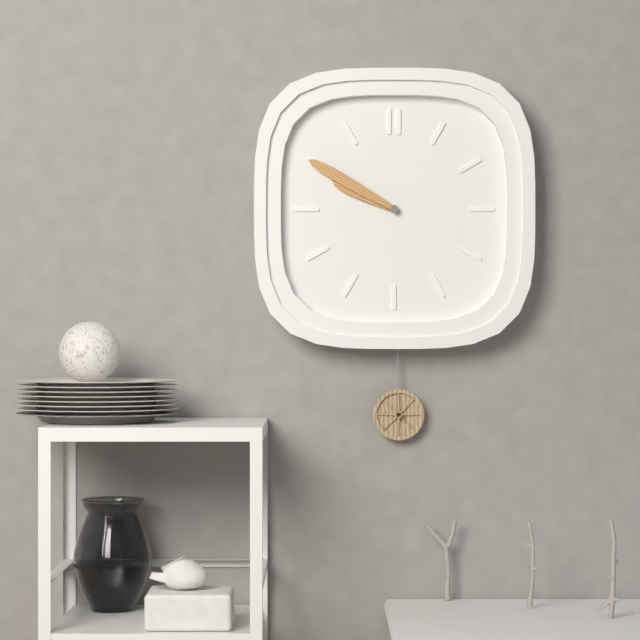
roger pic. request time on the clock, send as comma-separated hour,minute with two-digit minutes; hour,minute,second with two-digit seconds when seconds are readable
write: 9,50
